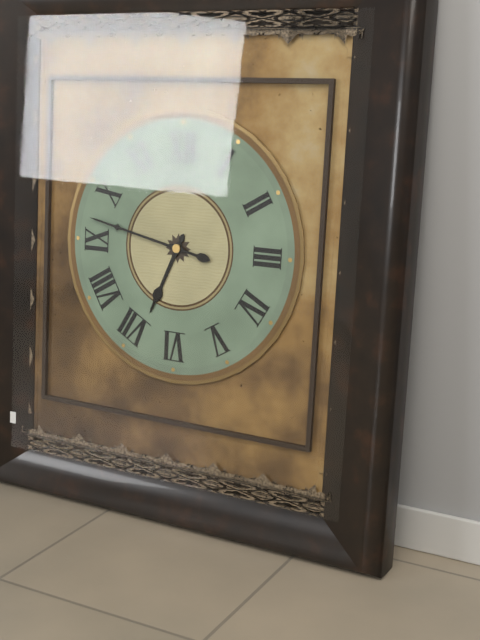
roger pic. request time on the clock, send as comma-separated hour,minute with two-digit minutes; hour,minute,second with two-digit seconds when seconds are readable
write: 6,47
